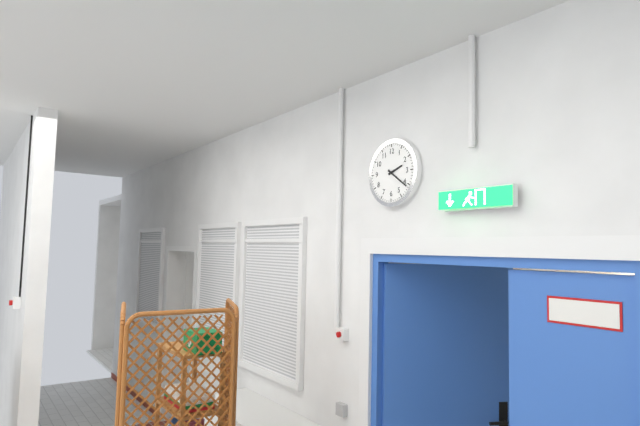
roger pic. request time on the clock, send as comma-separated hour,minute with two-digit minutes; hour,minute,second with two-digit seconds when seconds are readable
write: 2,21
